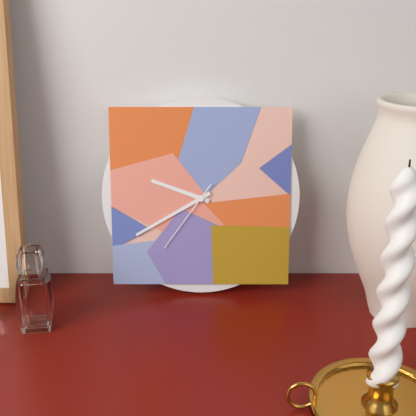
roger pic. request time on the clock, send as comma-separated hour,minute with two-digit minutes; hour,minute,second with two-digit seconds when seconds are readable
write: 9,40,36
